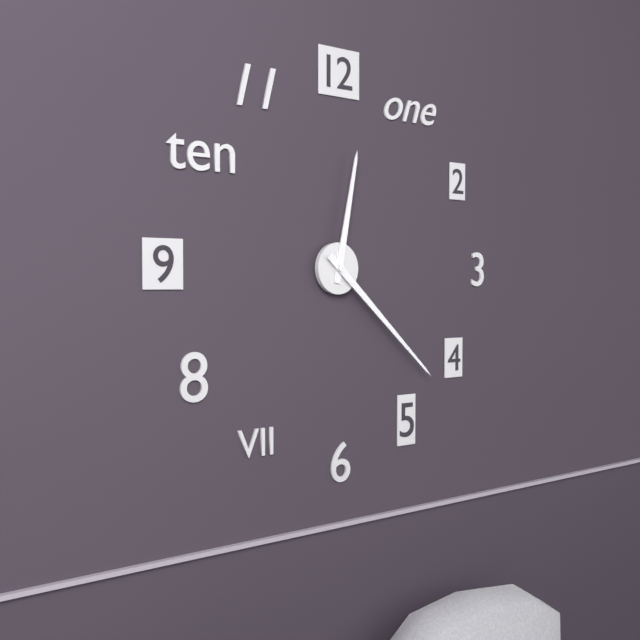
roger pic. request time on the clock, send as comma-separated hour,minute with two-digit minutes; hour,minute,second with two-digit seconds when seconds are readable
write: 12,22
